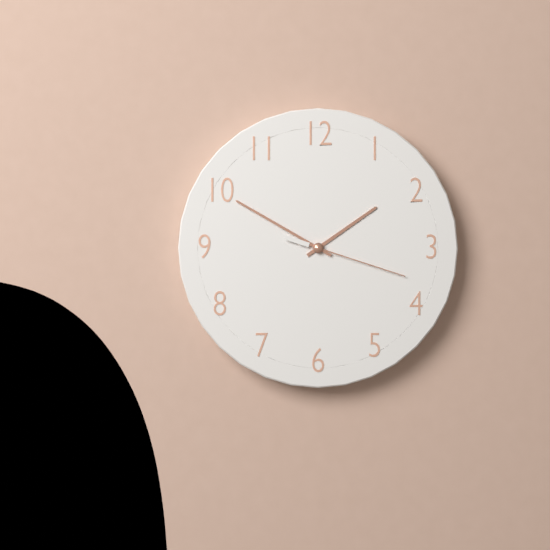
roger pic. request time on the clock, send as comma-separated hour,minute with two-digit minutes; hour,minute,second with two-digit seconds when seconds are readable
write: 1,50,18
